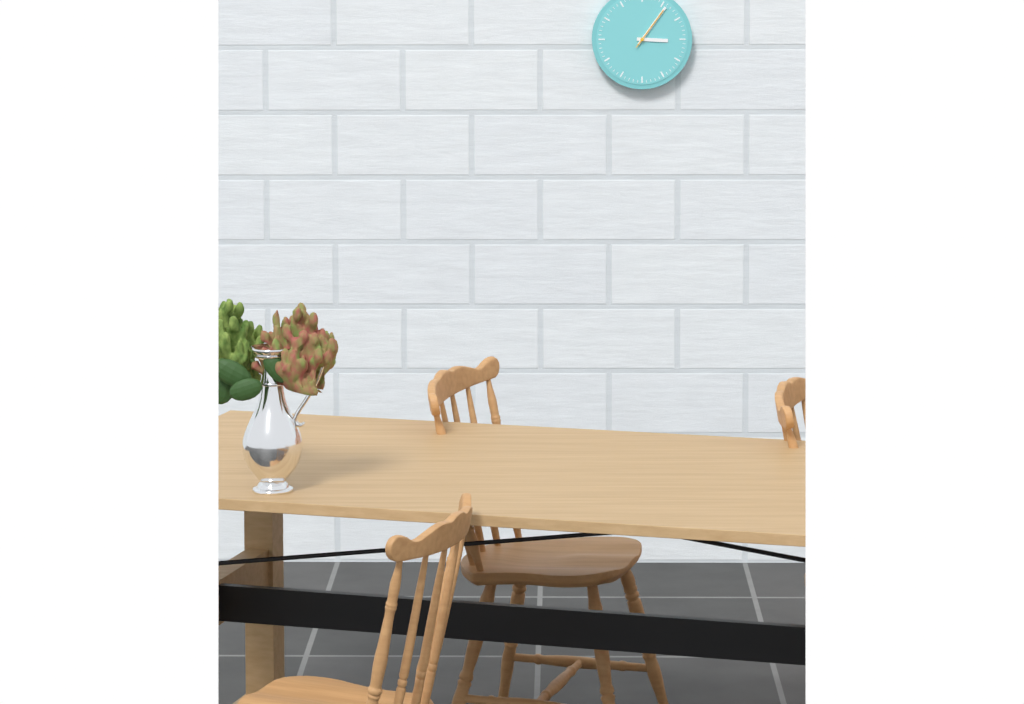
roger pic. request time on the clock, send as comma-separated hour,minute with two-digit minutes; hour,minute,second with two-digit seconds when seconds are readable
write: 3,06
